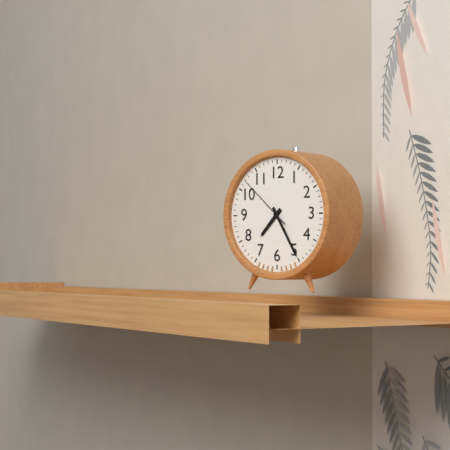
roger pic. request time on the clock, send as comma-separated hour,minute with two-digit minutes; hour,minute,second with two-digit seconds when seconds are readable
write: 7,25,52
